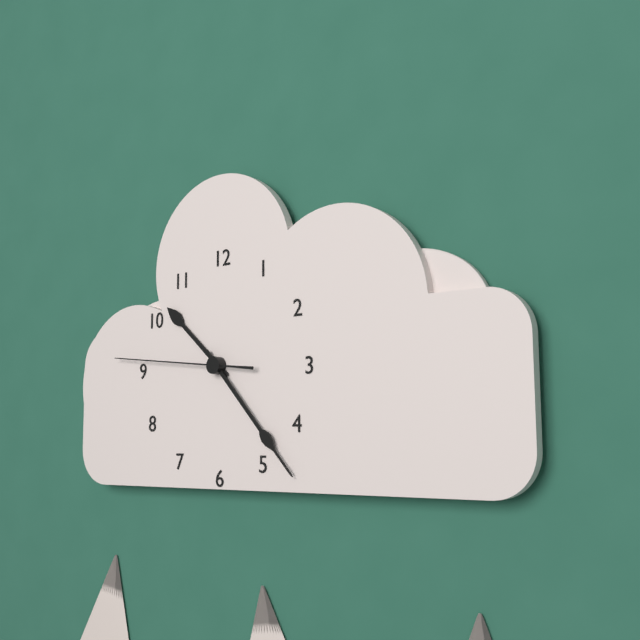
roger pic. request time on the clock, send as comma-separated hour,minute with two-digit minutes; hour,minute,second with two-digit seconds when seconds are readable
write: 10,23,46
